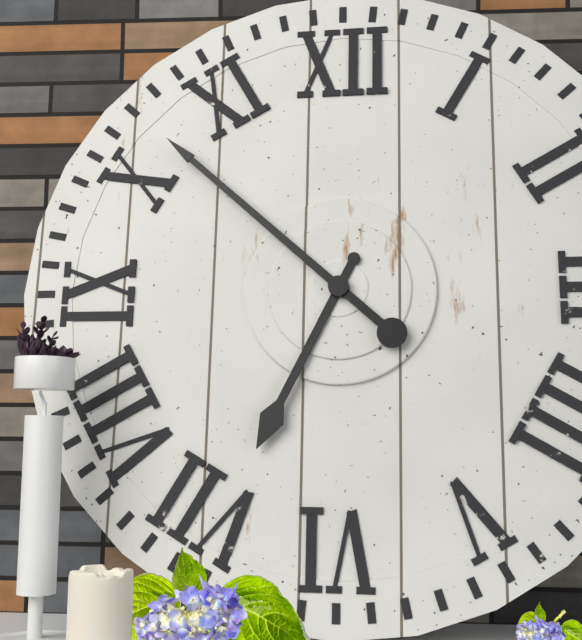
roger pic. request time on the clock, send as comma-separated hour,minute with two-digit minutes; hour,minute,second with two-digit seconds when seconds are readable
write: 6,52
